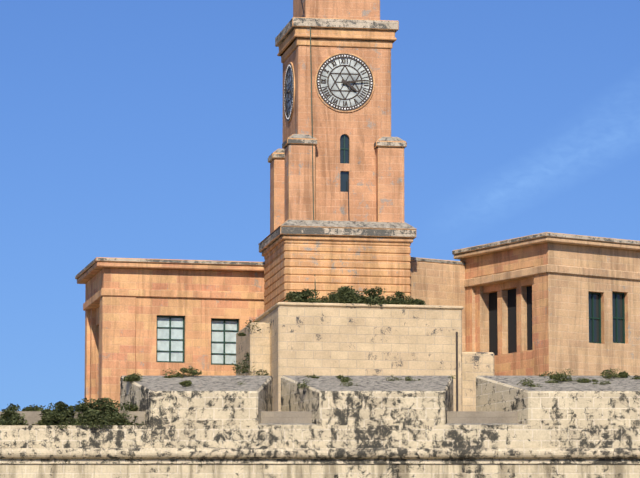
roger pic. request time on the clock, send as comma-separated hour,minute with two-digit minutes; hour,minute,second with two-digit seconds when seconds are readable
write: 4,14
